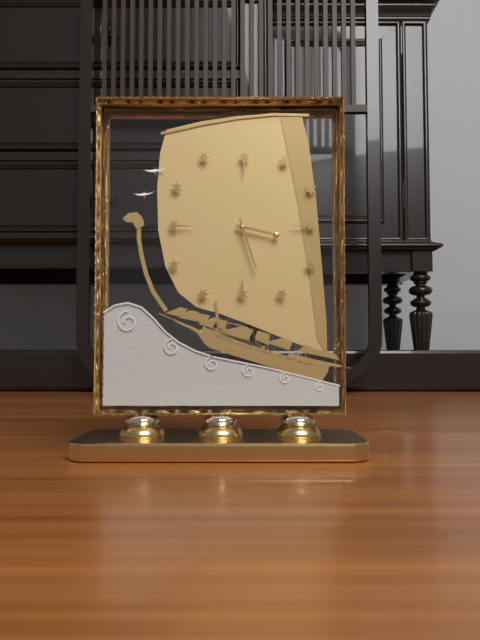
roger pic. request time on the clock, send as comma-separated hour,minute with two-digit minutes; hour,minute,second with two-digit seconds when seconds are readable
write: 3,27
